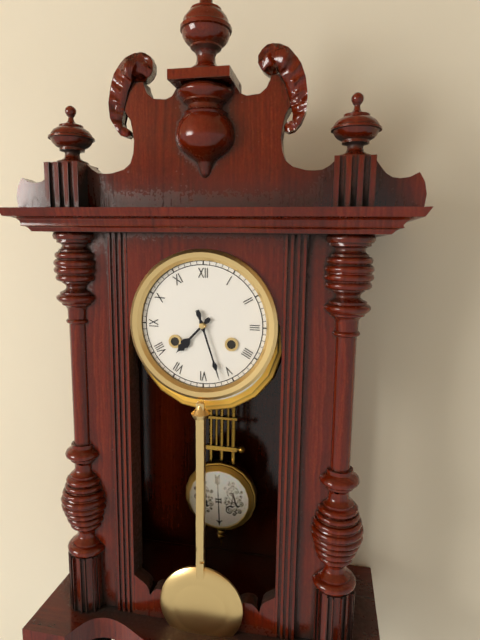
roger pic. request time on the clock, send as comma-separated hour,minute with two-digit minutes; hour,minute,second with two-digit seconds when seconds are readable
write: 7,27
